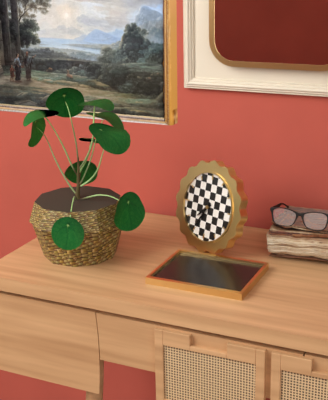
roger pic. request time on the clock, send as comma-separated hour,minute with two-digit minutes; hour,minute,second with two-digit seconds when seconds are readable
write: 7,35
